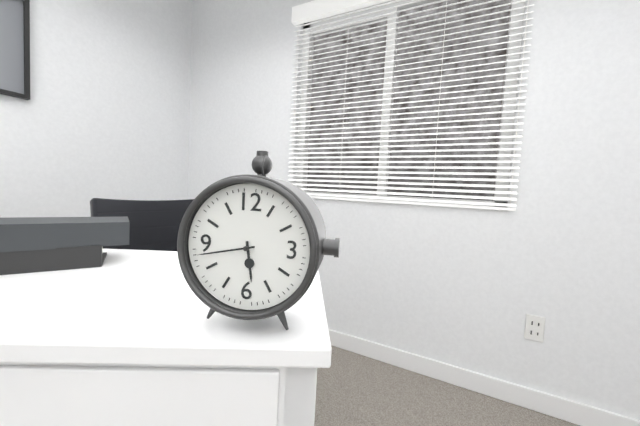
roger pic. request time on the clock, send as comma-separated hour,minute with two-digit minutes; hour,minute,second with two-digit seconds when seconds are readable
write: 5,43
